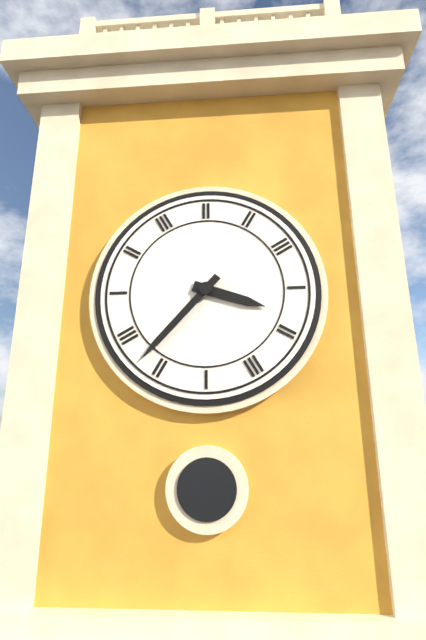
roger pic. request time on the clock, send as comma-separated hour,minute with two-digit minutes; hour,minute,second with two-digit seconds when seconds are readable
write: 3,37
